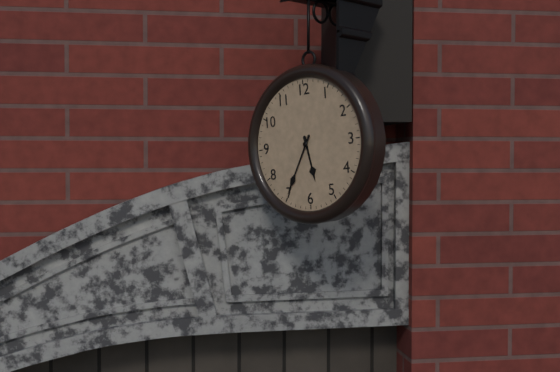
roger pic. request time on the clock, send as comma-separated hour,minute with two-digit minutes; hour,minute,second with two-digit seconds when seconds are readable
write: 5,35
